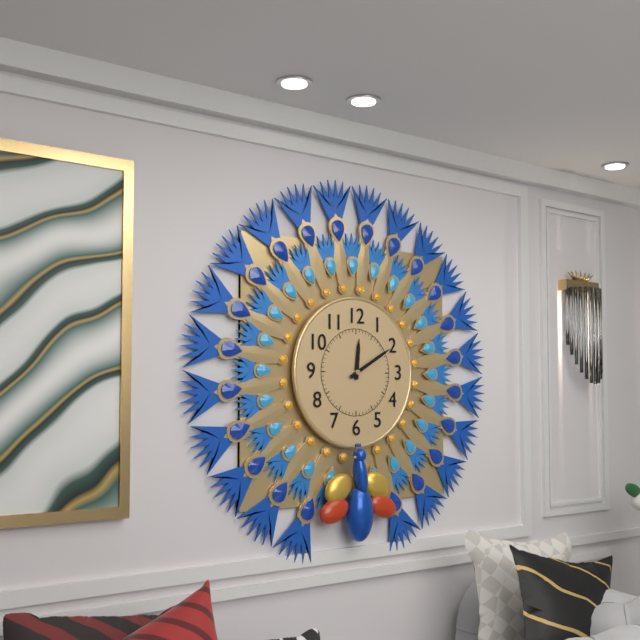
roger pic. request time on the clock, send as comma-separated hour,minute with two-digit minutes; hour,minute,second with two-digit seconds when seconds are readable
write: 12,10
